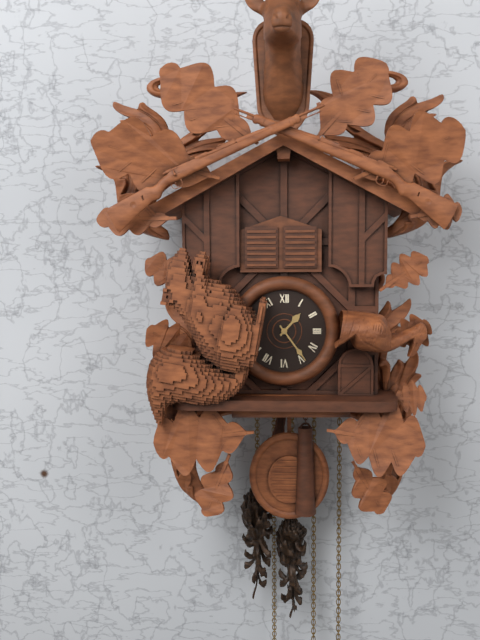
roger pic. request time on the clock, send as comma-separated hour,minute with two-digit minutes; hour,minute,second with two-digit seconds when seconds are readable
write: 1,24
